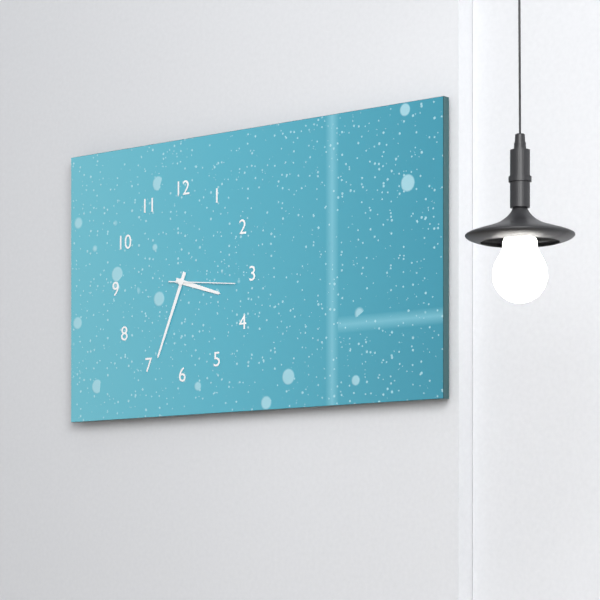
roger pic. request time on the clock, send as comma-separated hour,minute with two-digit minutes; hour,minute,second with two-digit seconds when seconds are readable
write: 3,34,16
